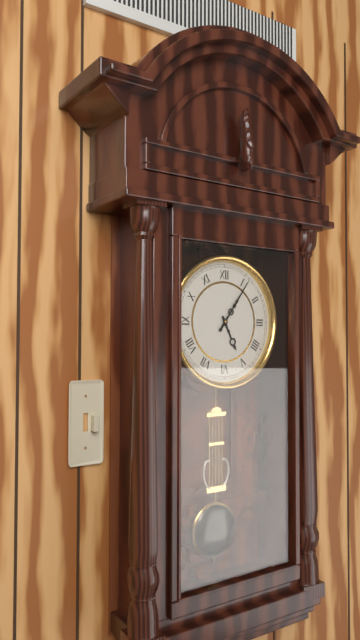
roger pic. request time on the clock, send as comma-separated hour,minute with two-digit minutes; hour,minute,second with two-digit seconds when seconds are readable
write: 5,06
